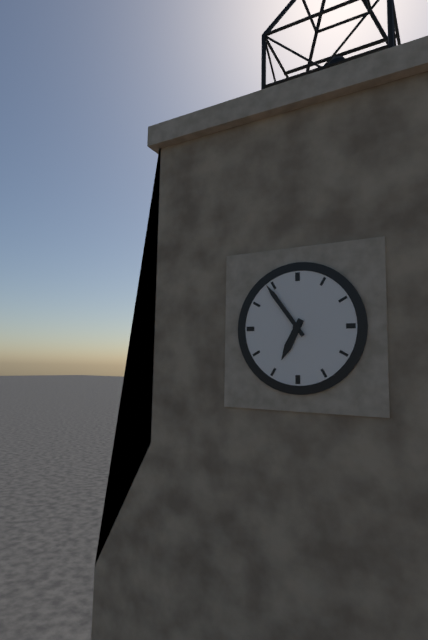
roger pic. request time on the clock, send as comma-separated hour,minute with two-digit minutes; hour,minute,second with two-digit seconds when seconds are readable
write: 6,54
